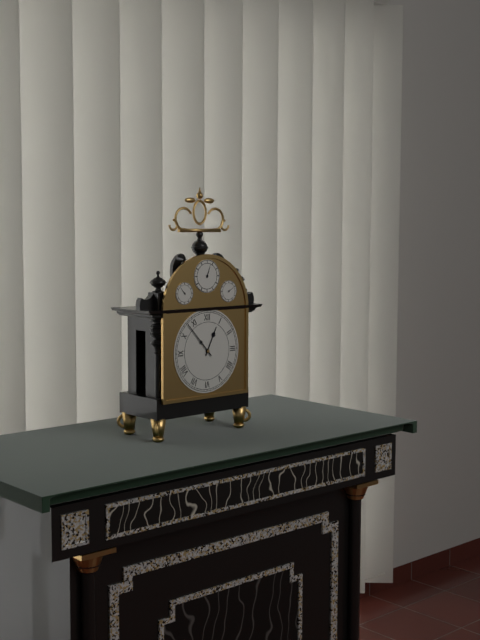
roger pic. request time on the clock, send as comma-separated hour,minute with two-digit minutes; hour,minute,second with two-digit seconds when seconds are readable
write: 12,53
